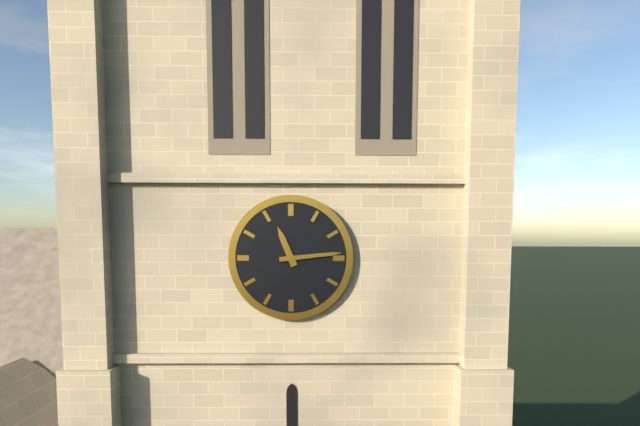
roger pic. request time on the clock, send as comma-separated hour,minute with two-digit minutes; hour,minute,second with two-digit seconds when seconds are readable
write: 11,14
